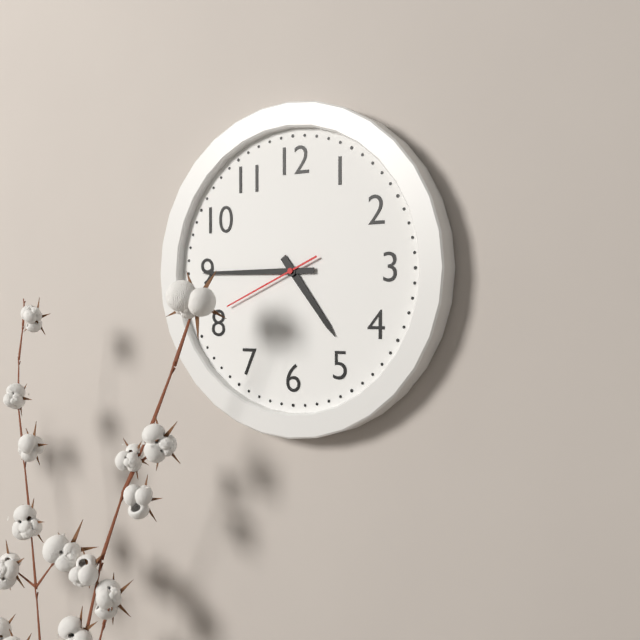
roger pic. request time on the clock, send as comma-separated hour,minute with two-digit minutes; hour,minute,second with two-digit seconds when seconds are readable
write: 4,45,41
